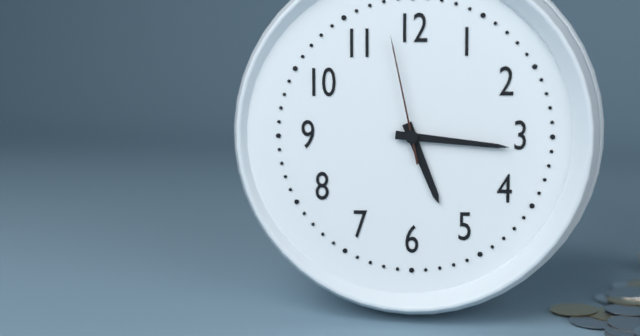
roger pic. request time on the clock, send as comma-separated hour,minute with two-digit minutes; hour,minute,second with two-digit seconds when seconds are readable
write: 5,16,58
